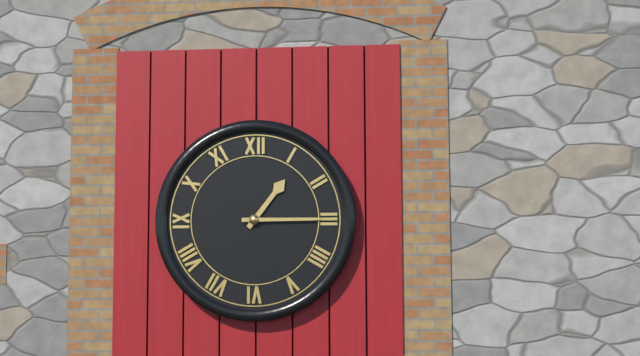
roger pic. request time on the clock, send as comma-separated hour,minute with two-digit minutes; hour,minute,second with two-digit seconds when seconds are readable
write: 1,15
